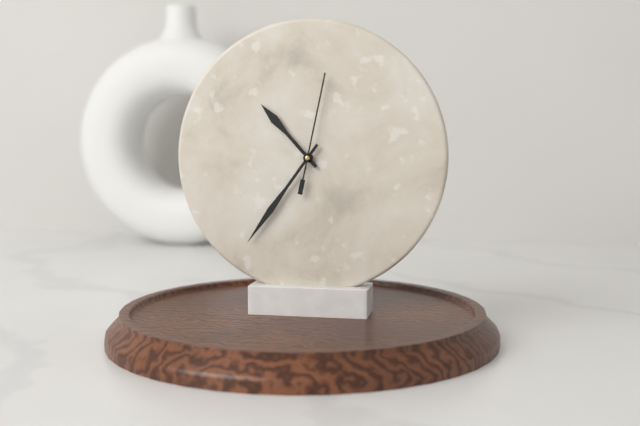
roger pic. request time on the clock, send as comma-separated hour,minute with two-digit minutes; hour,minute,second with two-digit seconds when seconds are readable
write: 10,36,02
